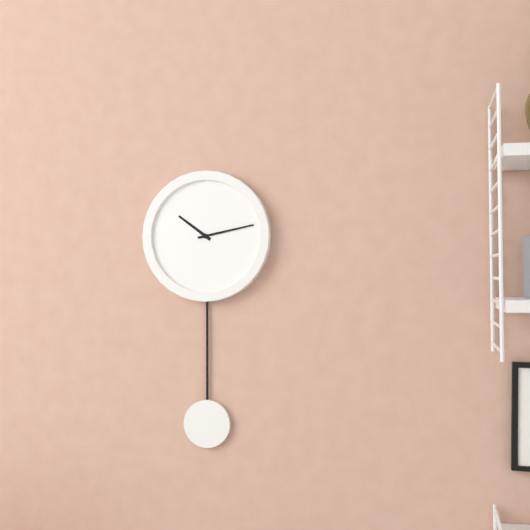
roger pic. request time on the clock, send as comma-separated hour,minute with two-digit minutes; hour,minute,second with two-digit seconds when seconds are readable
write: 10,13
